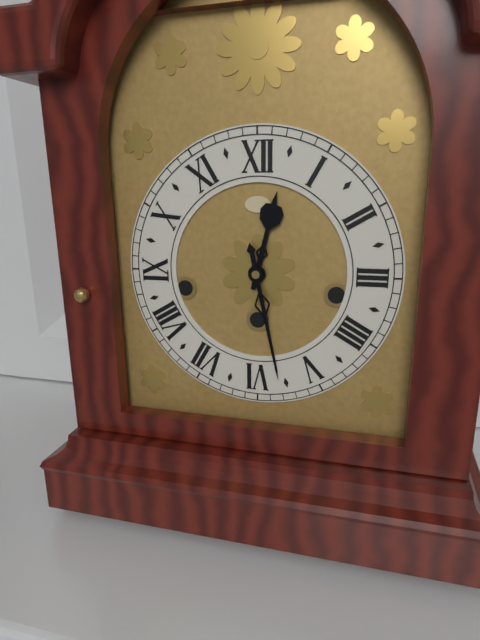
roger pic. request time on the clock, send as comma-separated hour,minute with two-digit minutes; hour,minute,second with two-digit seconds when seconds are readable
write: 12,28
